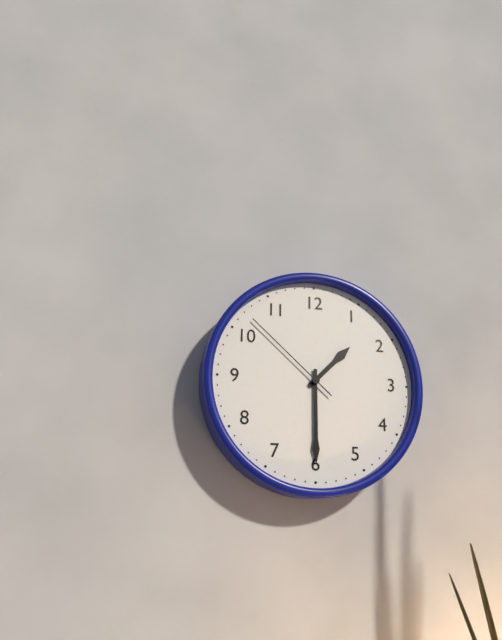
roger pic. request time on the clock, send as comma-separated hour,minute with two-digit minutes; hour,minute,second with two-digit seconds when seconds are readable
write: 1,30,52
